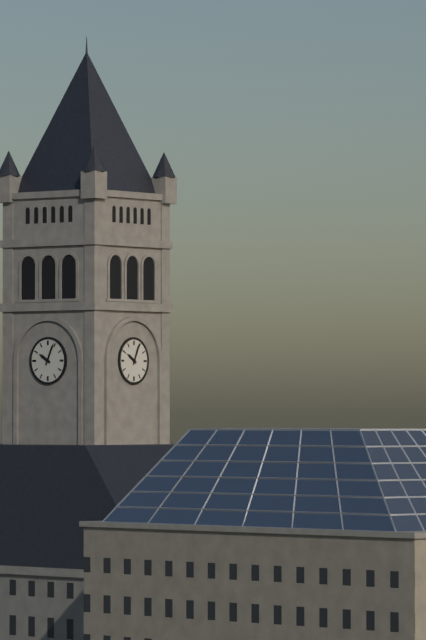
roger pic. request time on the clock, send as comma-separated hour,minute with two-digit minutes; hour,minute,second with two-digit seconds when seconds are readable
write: 10,04
